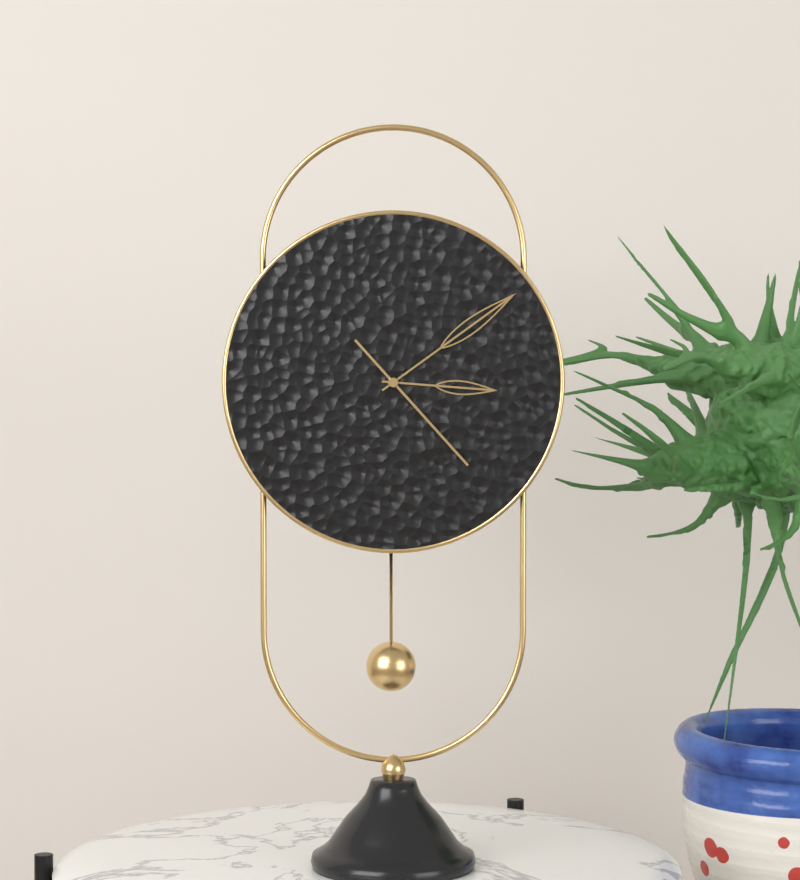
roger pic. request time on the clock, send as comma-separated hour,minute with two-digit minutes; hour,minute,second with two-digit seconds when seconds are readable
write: 3,09,23
